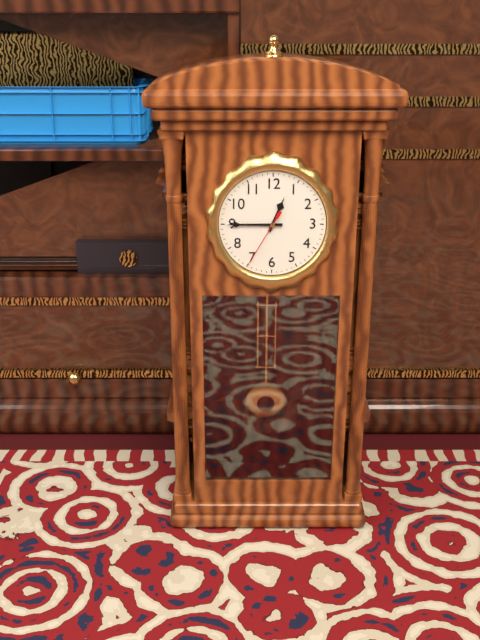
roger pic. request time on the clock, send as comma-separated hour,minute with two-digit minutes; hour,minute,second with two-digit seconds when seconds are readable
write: 12,45,35
